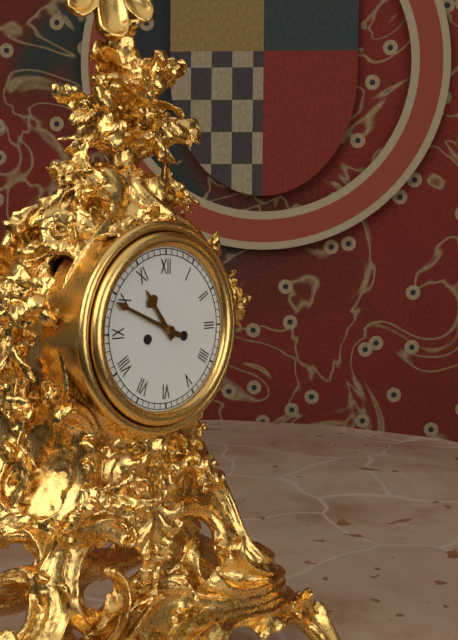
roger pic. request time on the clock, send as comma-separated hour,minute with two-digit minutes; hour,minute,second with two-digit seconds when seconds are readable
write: 10,49
